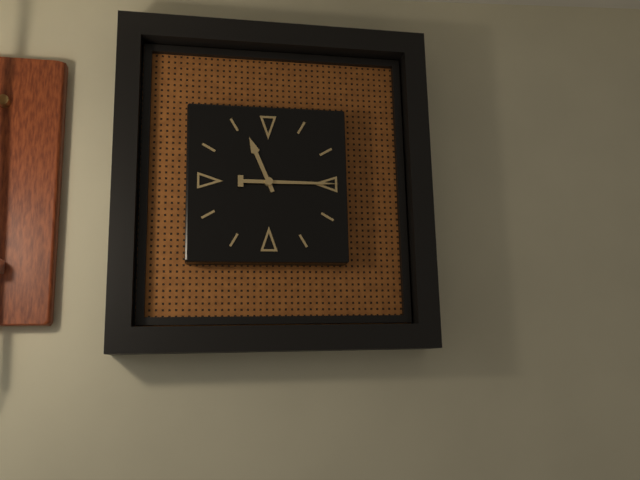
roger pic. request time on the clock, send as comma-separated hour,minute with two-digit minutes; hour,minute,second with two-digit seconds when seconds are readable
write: 11,15
